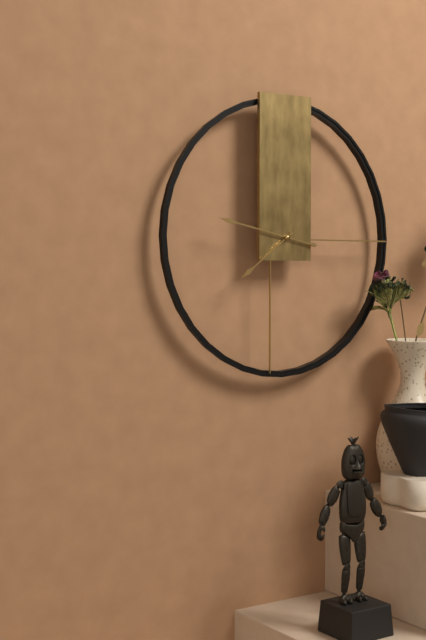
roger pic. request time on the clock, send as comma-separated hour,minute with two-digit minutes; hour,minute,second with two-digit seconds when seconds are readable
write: 7,47
